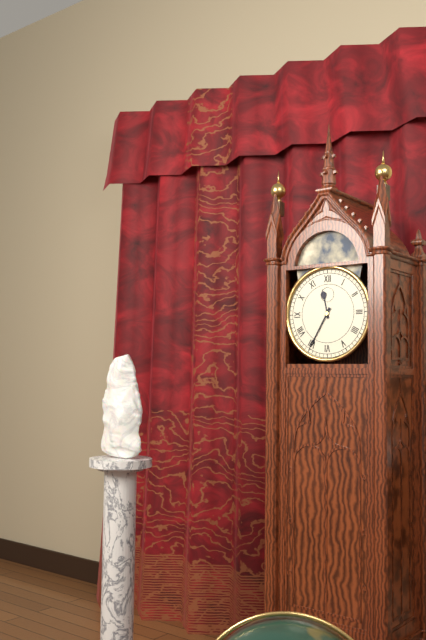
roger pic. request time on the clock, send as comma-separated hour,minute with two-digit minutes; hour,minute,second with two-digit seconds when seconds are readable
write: 11,35
